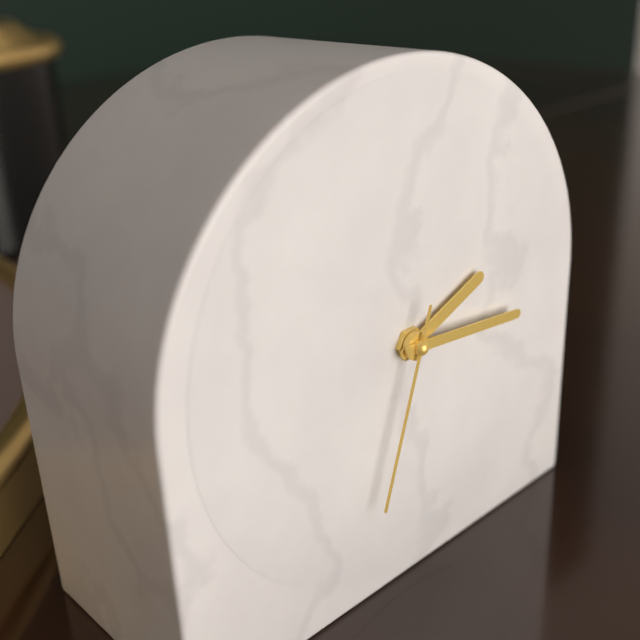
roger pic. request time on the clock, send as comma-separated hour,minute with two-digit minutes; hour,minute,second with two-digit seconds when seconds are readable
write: 2,16,33
